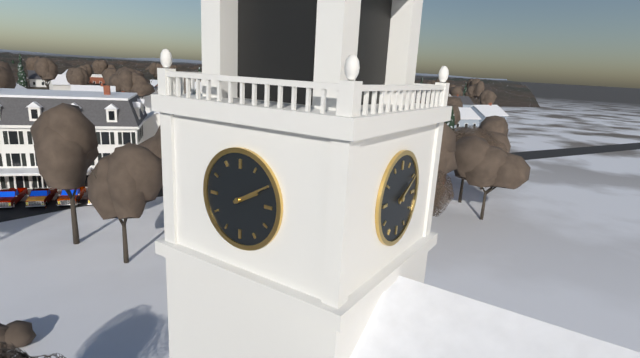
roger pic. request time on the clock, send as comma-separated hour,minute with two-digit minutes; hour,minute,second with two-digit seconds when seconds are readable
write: 2,10
